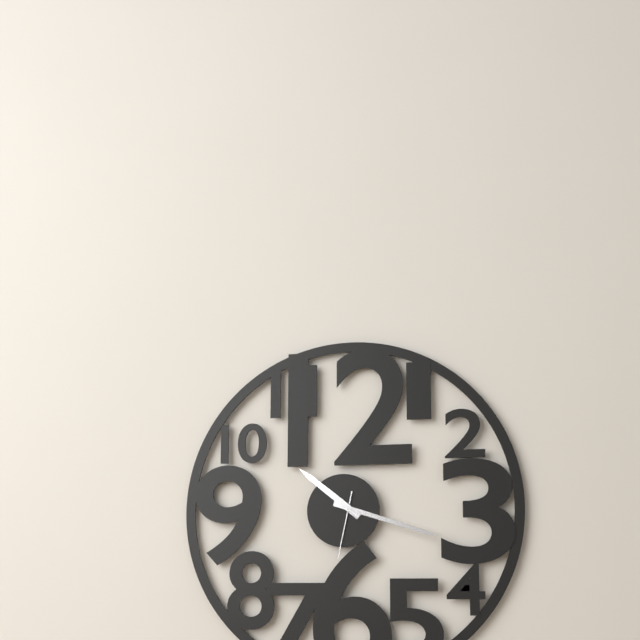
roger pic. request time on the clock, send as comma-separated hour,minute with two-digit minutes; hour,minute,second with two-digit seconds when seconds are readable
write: 10,18,32
